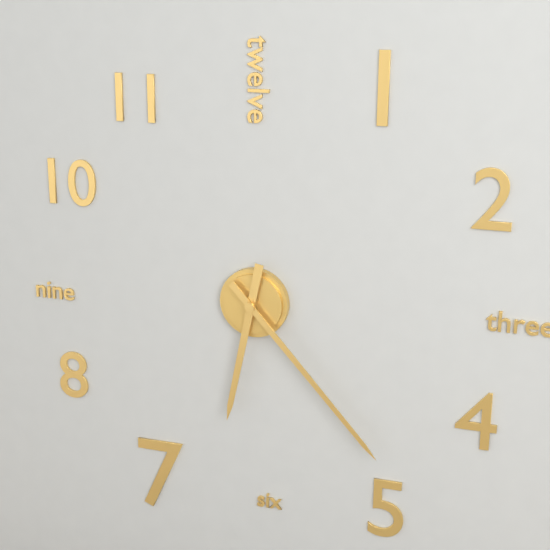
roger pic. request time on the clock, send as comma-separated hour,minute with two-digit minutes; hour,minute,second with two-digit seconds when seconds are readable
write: 6,23
